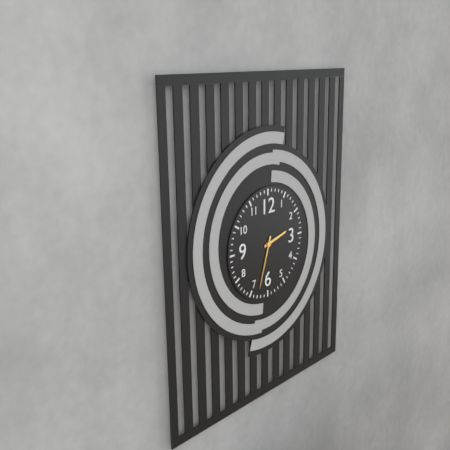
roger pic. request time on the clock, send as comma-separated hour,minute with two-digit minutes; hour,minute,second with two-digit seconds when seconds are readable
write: 2,33
